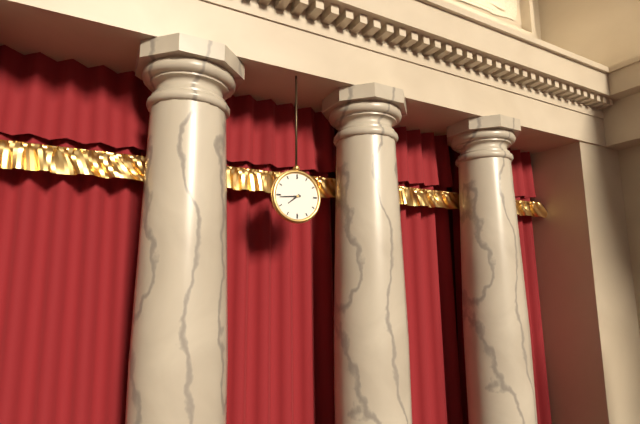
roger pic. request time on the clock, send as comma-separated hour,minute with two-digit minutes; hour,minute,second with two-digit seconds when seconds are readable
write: 7,44
